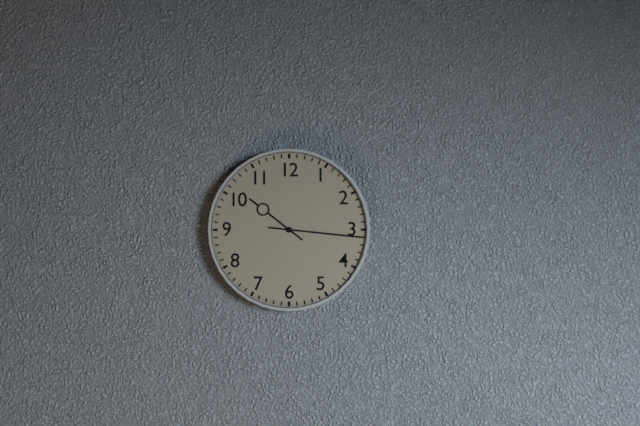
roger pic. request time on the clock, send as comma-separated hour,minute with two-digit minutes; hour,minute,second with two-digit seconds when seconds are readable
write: 10,16
